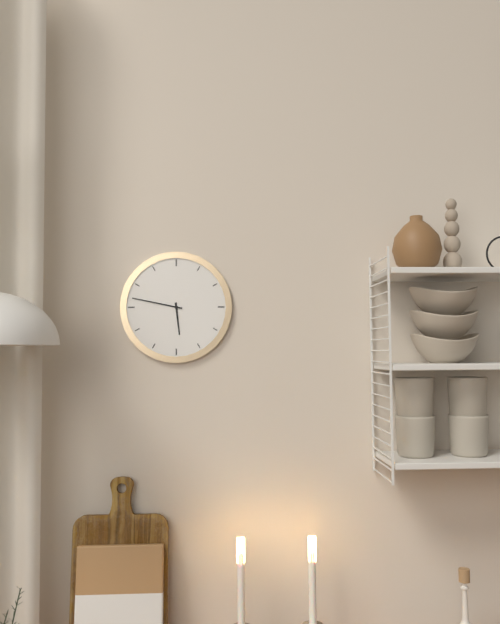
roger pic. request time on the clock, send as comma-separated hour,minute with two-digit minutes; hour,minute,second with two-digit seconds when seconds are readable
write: 5,47
